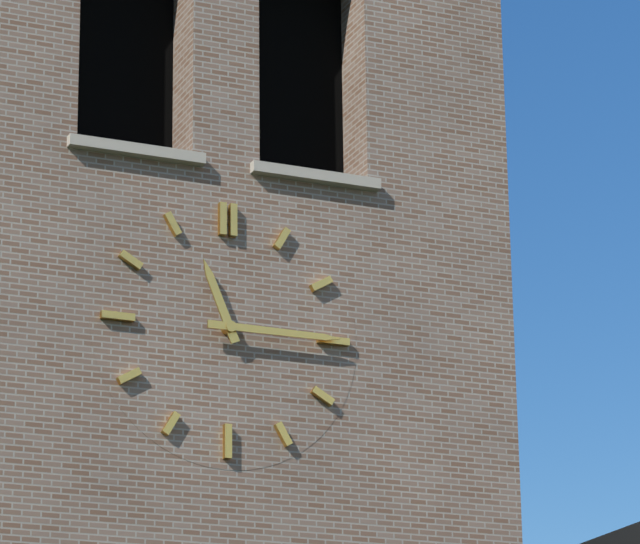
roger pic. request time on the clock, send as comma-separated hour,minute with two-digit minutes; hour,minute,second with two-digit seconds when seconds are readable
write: 11,15
